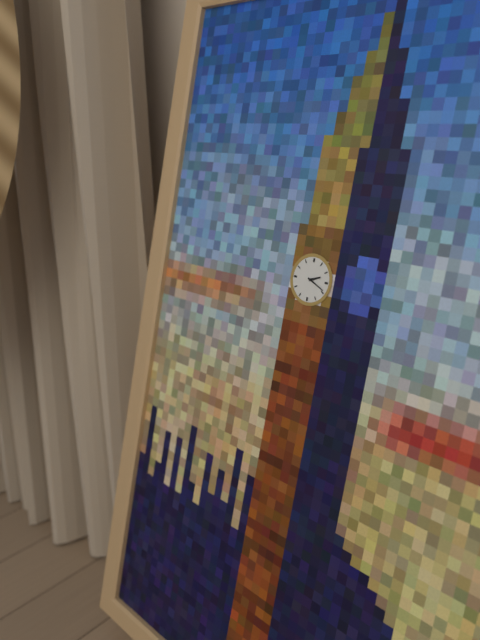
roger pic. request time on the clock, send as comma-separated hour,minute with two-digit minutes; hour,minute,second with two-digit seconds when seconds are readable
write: 2,19
